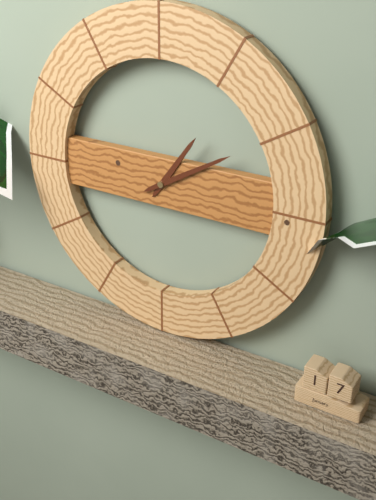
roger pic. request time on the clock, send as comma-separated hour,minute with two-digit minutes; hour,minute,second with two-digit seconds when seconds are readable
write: 1,10
